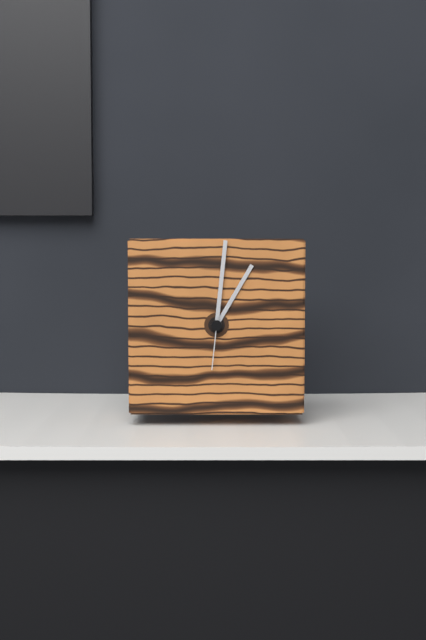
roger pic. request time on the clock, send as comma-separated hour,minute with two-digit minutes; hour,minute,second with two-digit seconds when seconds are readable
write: 1,01,31
